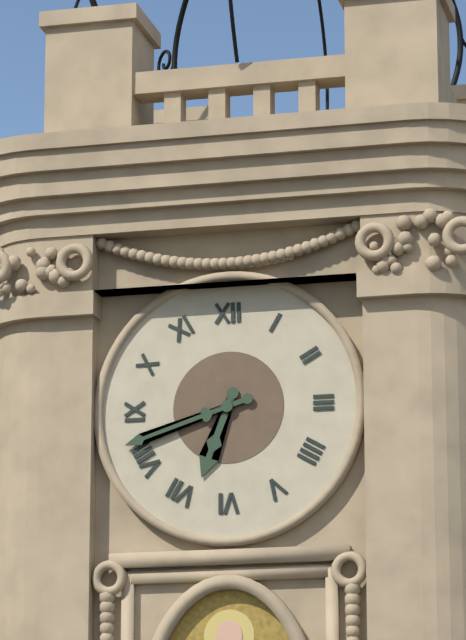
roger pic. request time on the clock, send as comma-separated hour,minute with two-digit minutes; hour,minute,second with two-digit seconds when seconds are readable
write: 6,42
